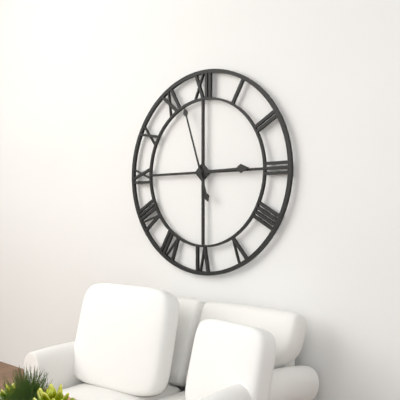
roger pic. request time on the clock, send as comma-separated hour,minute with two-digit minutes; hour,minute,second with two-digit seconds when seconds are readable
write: 2,57
